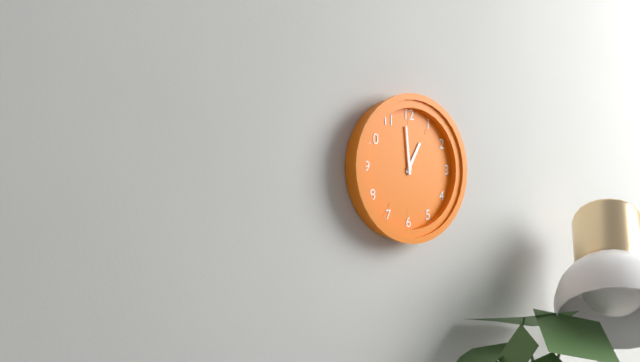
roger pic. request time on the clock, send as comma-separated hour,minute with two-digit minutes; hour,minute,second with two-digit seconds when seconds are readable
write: 12,59
